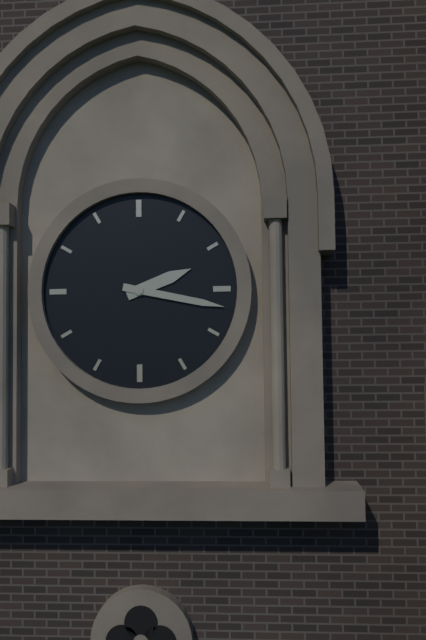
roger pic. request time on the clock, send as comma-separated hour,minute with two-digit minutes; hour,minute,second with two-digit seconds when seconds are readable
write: 2,17
